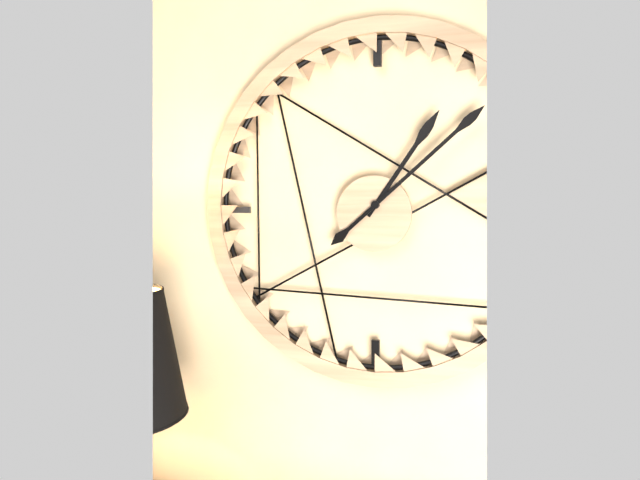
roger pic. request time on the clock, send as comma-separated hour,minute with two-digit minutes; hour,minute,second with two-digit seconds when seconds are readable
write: 1,08
